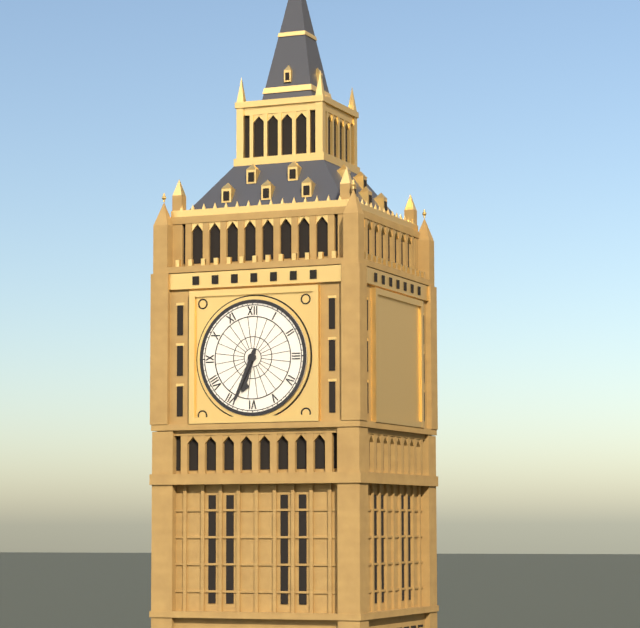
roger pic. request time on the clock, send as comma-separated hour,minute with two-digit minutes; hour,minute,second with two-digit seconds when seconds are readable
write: 6,34
